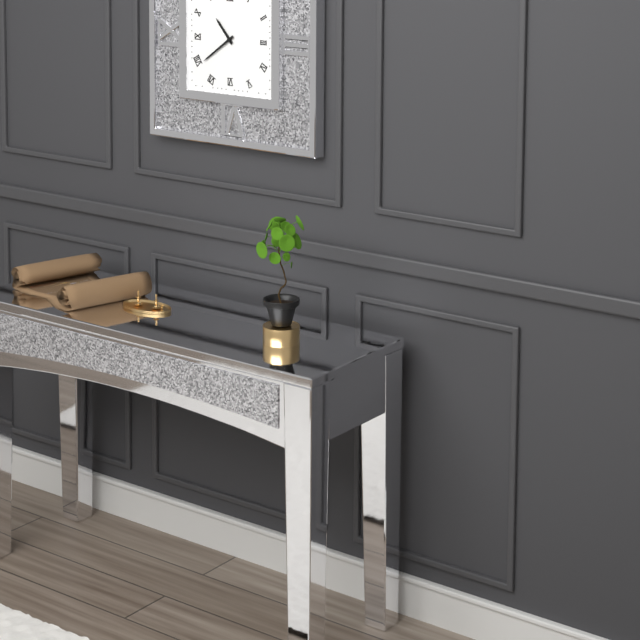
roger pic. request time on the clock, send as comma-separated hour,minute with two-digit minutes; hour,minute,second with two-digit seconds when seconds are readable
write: 10,39
